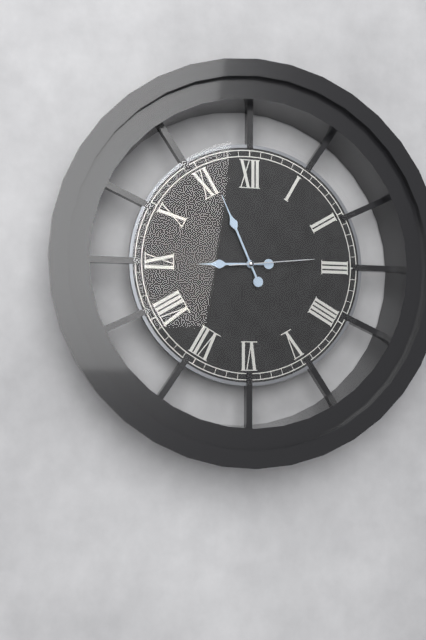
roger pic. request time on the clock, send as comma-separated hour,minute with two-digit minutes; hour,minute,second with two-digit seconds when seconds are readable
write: 8,56,14
